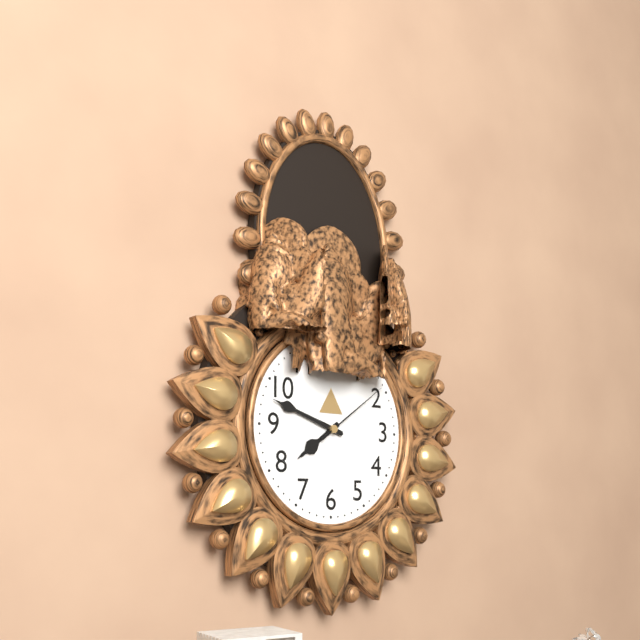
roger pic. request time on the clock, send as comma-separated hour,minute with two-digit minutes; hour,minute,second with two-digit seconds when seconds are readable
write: 7,48,09
